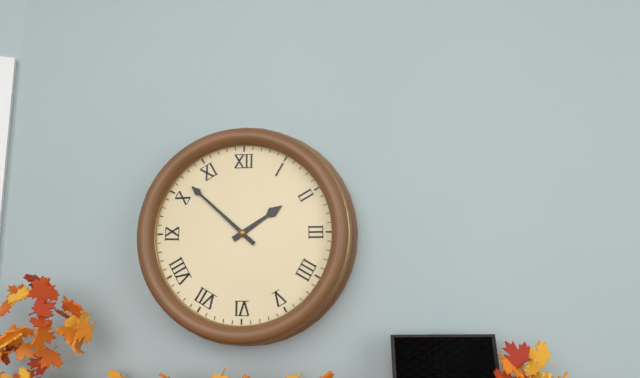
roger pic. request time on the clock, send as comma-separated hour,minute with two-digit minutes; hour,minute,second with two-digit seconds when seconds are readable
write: 1,52
